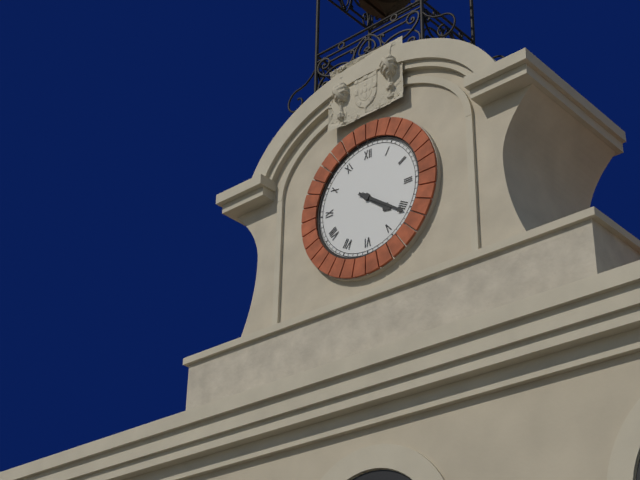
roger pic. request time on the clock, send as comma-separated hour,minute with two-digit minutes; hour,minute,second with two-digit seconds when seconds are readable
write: 4,21
